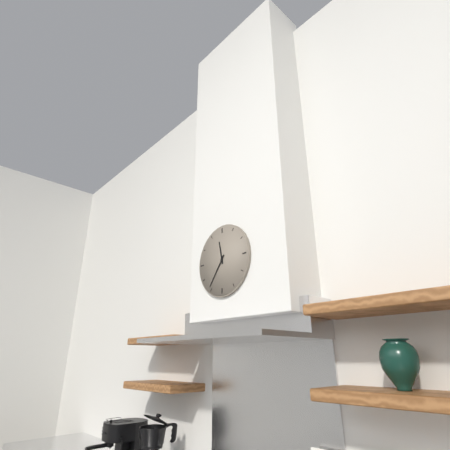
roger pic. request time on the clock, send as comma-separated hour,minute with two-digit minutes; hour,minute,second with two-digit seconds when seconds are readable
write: 11,36
